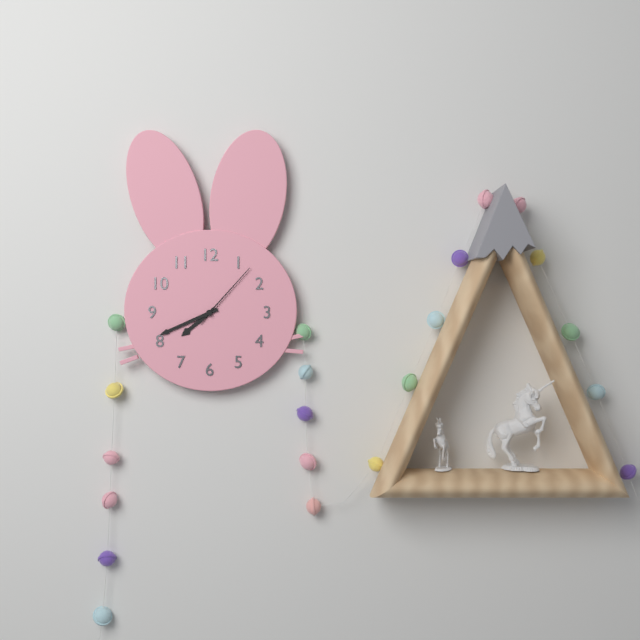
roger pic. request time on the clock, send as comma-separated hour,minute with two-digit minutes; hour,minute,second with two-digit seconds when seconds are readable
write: 7,41,07
